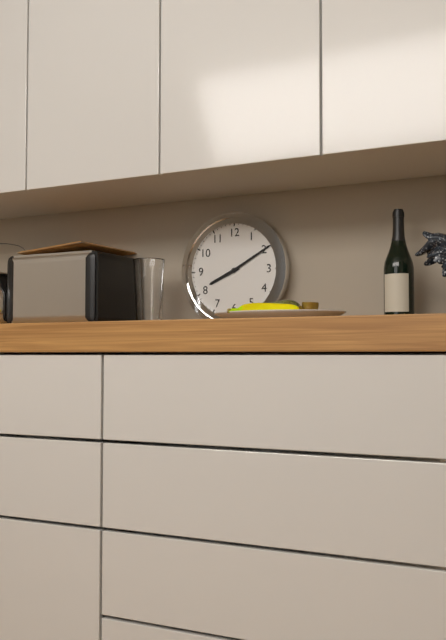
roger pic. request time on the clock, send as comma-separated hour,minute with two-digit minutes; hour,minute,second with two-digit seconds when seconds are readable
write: 8,10
